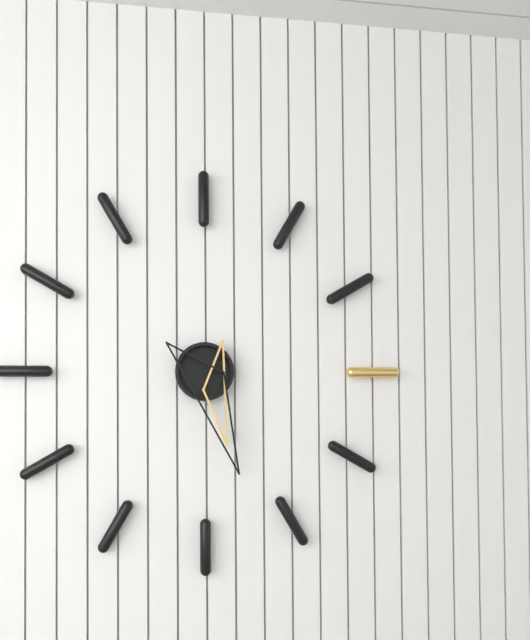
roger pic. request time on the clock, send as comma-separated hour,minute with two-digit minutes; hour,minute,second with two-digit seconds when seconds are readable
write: 5,27
